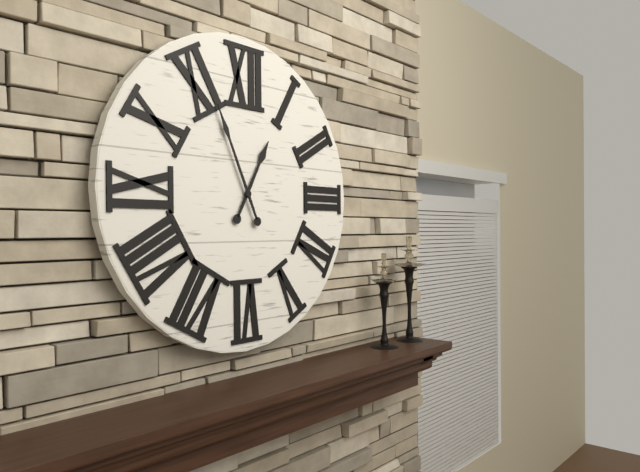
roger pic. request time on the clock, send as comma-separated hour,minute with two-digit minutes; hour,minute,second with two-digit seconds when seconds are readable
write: 12,56
